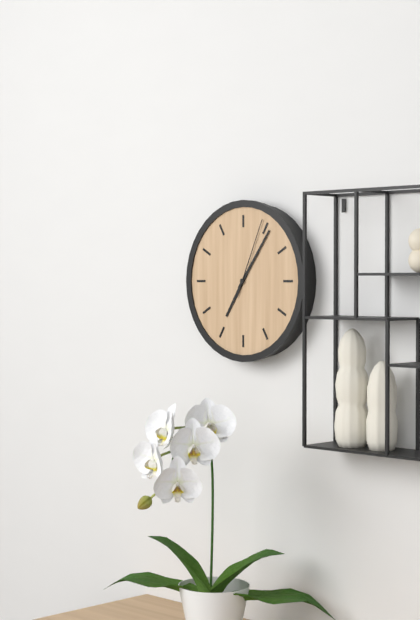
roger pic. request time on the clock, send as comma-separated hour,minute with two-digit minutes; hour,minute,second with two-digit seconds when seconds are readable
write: 7,06,04
